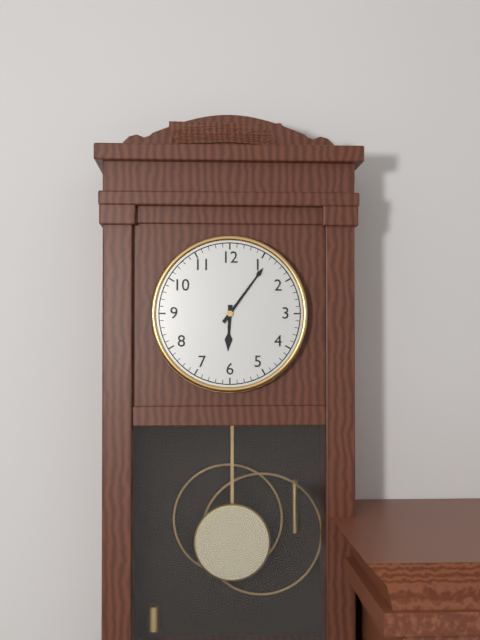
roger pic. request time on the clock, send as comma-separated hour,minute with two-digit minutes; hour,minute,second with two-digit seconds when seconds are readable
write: 6,06
